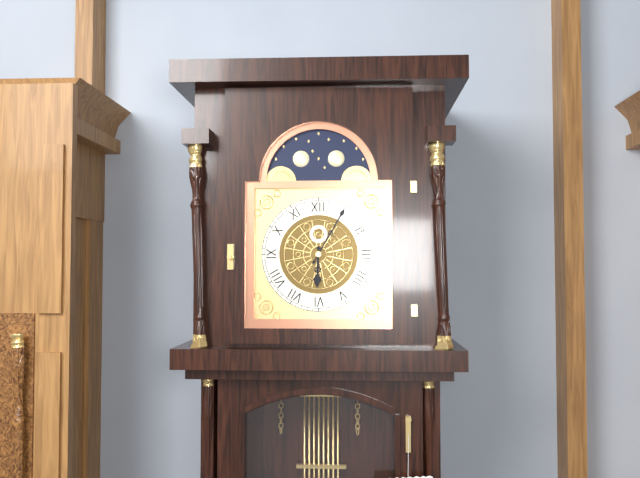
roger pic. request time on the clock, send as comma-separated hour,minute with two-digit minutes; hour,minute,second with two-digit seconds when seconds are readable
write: 6,05
